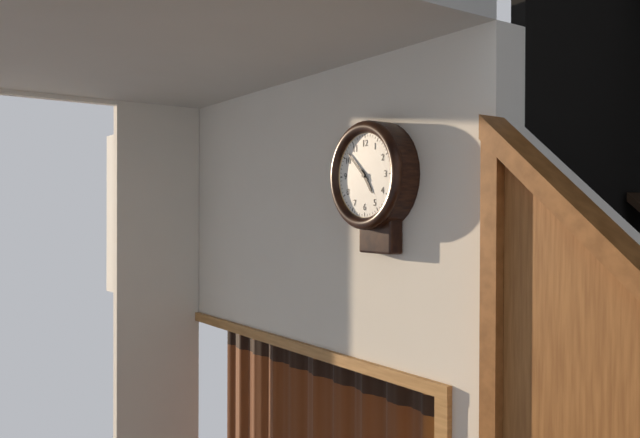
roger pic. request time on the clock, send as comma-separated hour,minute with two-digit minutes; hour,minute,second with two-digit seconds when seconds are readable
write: 4,52
